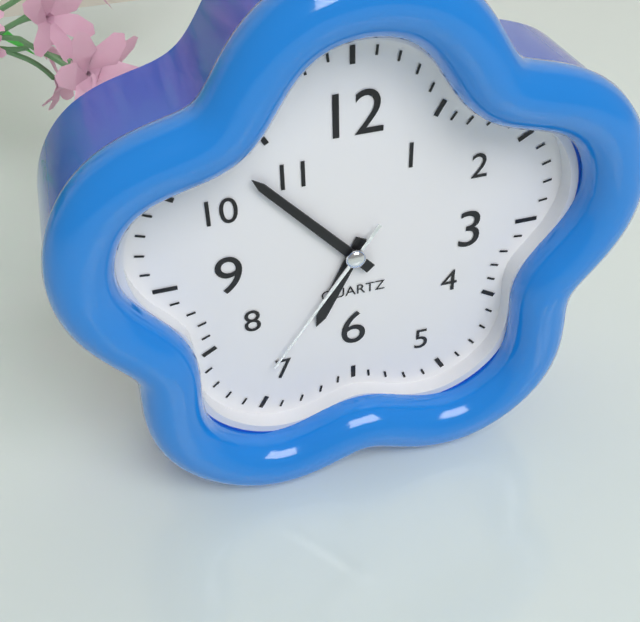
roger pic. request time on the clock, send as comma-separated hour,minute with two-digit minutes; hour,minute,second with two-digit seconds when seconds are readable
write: 6,53,36
